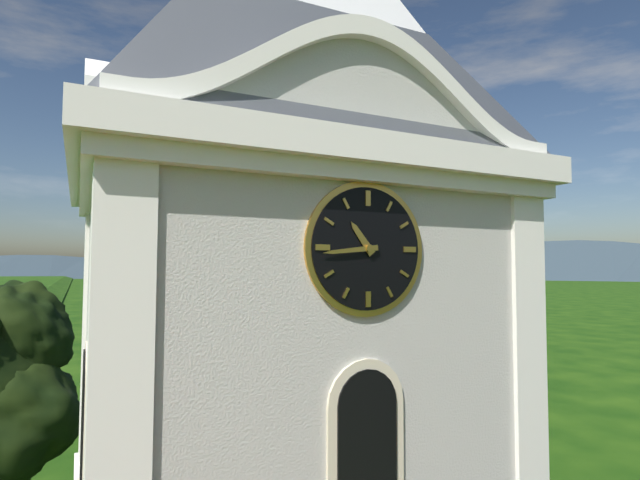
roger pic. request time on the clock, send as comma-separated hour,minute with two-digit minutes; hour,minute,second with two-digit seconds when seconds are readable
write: 10,44
